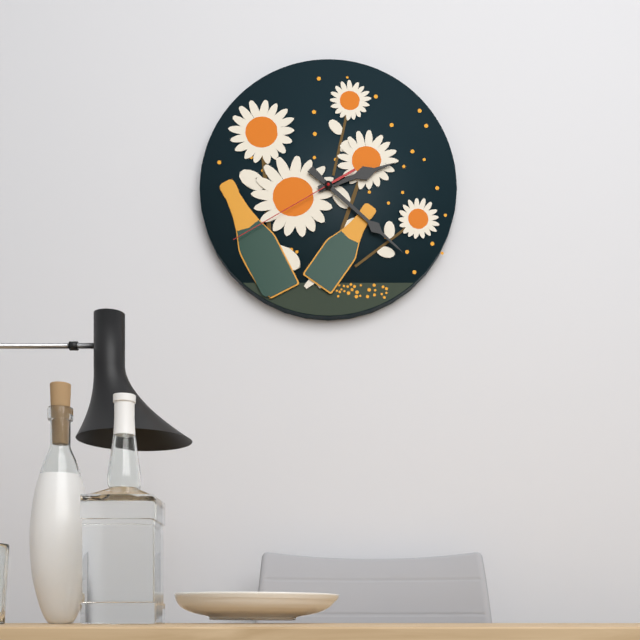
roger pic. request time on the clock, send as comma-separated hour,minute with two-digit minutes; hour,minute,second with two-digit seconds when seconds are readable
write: 2,22,40
